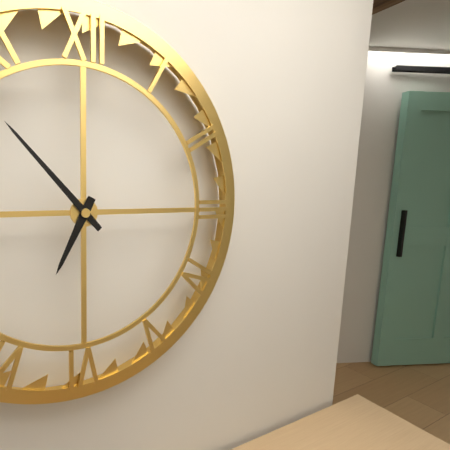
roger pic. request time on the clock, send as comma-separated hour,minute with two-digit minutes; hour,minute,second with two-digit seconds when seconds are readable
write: 6,53
